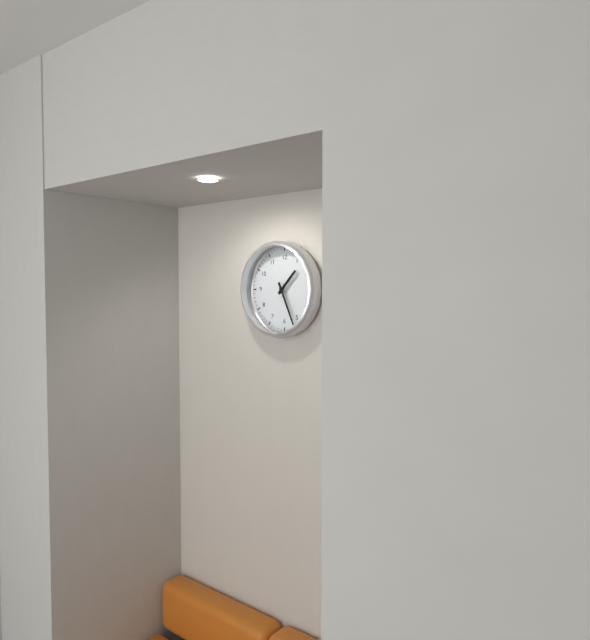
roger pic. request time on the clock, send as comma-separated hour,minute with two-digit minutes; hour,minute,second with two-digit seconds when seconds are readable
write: 1,26
